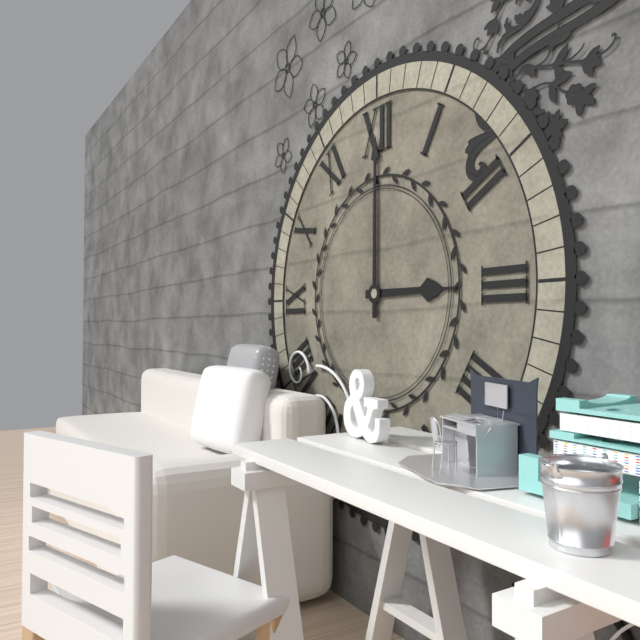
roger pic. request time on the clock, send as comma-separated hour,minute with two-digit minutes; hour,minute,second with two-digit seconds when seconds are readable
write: 3,00
